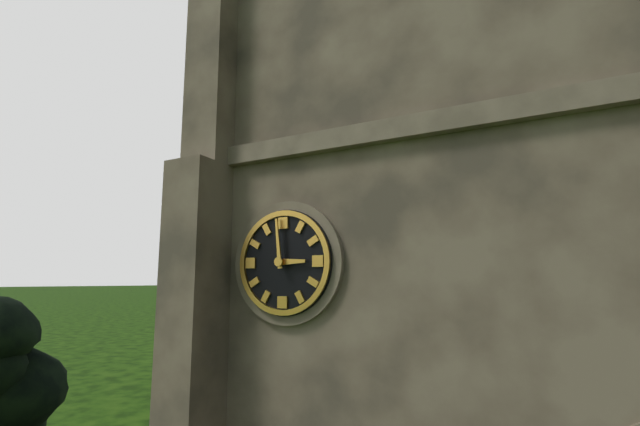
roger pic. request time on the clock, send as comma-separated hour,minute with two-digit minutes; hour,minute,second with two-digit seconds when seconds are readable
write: 2,59
